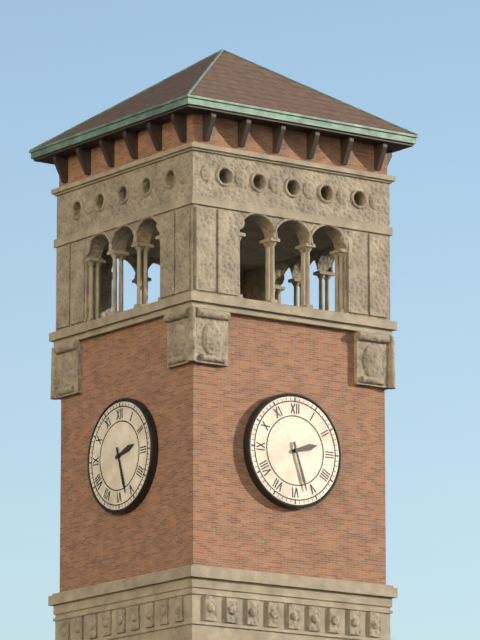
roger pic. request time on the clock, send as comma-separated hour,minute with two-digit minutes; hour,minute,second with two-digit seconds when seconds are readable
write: 2,27
